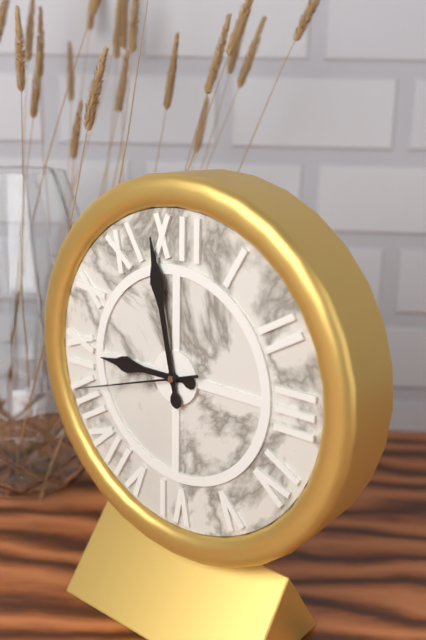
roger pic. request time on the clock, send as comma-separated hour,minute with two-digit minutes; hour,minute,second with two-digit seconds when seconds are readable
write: 8,58,42
